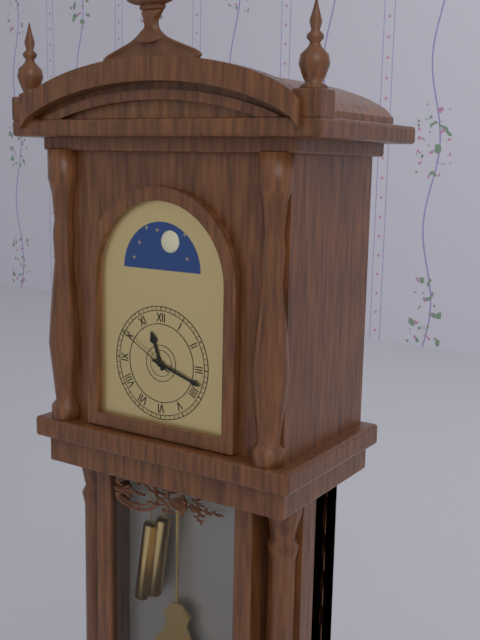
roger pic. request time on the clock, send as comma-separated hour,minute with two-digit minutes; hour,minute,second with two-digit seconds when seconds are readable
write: 11,18,50
